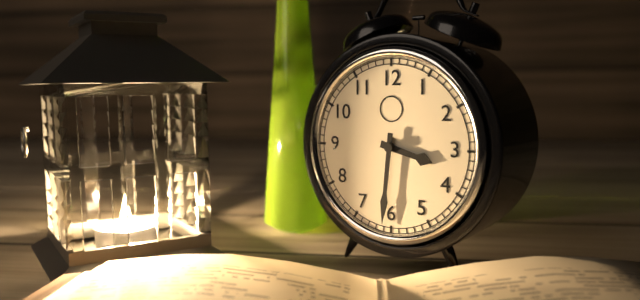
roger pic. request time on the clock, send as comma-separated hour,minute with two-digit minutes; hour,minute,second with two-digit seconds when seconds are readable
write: 3,31
